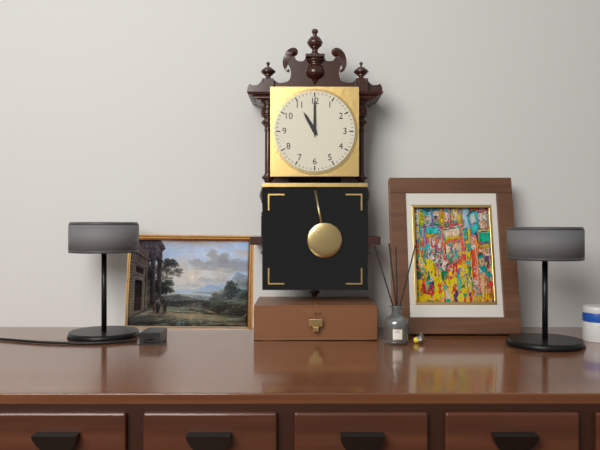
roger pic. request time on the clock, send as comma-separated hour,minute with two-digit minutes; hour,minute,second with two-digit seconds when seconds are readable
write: 11,00
